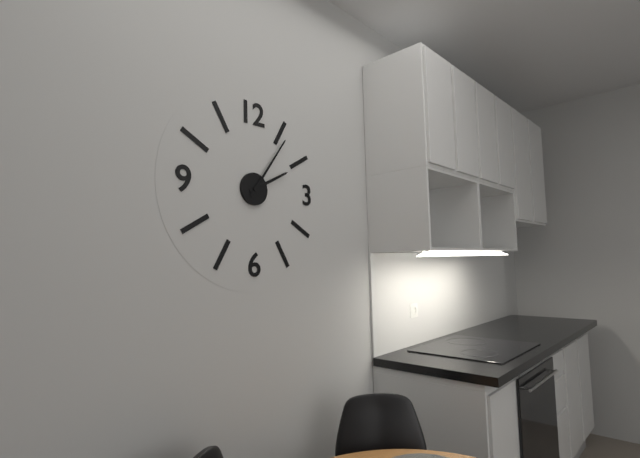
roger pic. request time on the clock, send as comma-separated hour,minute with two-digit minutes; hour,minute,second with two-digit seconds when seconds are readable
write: 2,06
